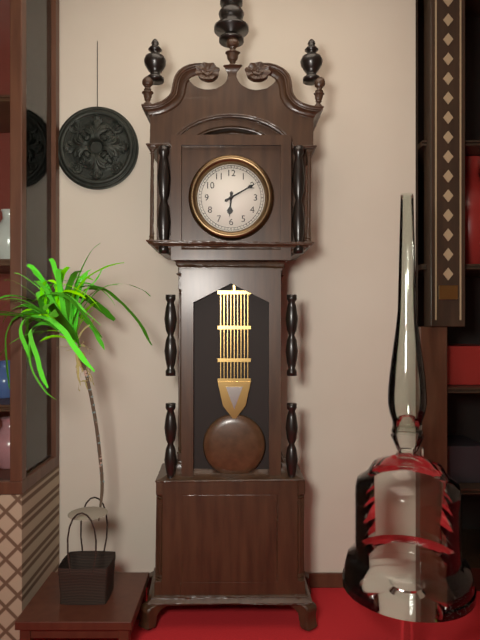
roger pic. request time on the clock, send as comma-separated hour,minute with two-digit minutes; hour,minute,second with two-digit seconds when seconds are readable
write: 6,10
